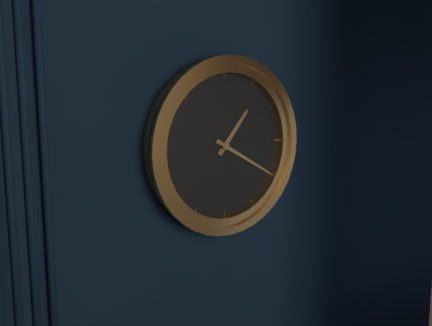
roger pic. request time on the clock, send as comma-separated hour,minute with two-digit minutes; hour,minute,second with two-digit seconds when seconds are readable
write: 1,20
